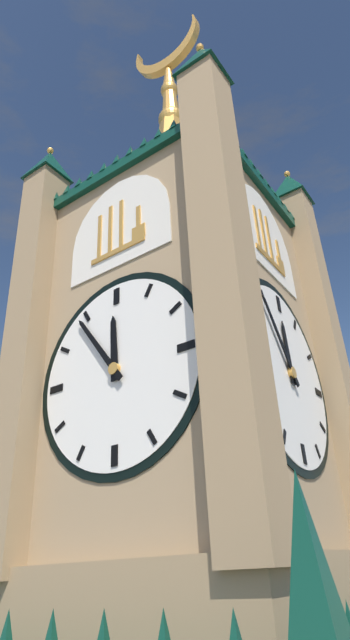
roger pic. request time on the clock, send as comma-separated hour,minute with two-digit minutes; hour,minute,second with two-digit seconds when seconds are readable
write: 11,54
